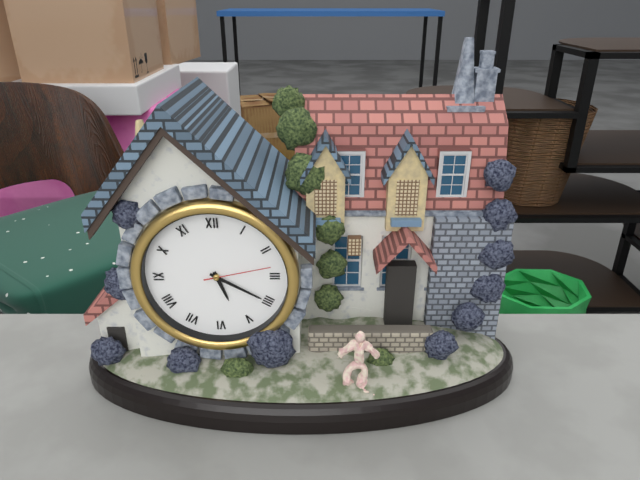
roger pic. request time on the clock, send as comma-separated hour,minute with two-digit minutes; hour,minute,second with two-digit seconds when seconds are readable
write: 5,20,13
